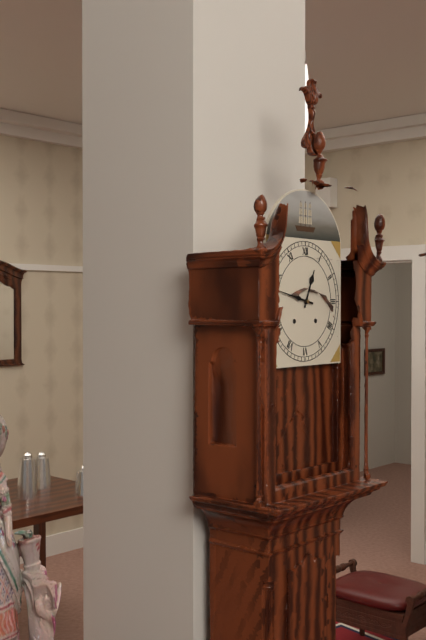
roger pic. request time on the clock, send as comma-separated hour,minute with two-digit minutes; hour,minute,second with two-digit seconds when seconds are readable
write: 12,47
